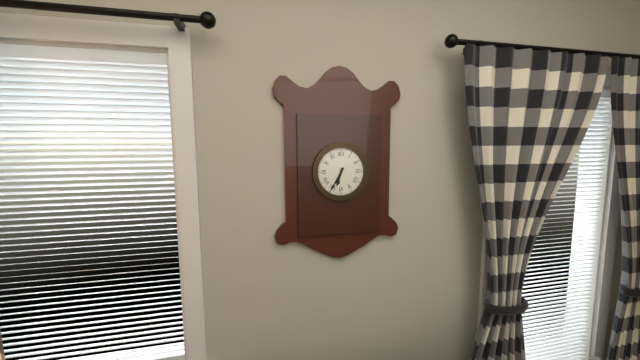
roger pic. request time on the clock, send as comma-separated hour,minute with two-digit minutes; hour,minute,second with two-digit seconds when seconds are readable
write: 6,35
